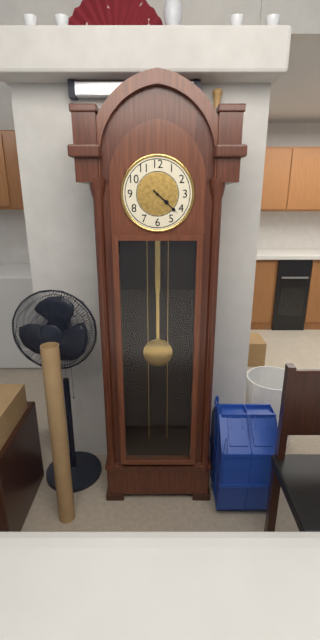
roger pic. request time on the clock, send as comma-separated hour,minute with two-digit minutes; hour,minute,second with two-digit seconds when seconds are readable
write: 4,22
